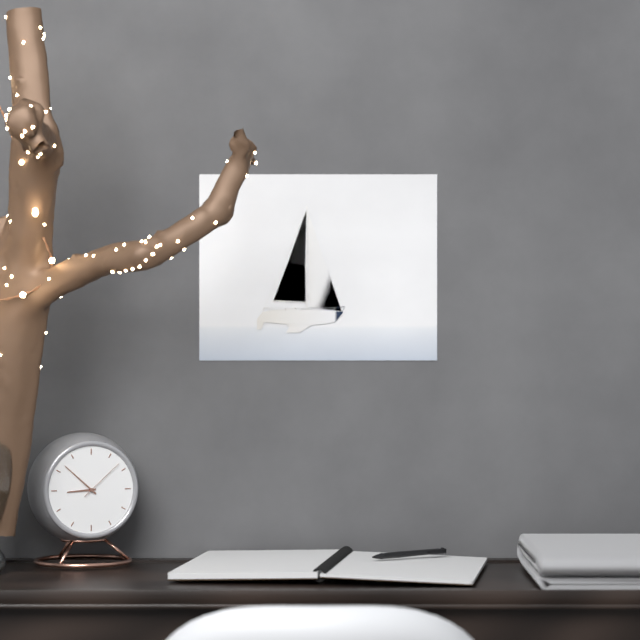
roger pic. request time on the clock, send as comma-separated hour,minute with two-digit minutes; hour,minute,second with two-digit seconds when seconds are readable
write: 8,52
